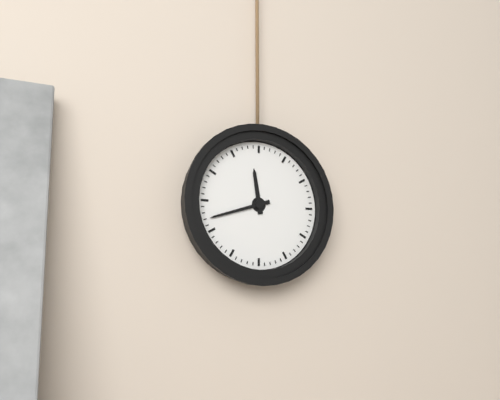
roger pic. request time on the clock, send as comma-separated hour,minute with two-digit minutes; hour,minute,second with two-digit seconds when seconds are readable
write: 11,42
